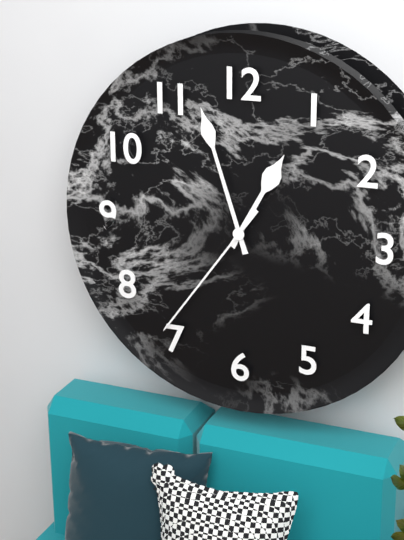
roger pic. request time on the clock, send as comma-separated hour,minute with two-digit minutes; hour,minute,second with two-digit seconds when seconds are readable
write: 12,57,36
